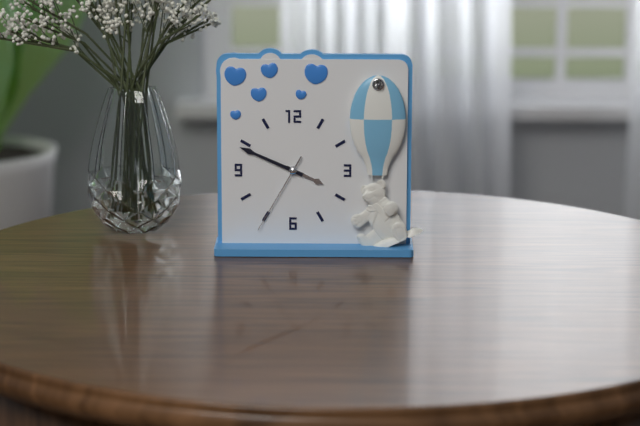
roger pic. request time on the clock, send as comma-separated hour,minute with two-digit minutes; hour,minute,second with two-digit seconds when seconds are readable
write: 3,49,35
